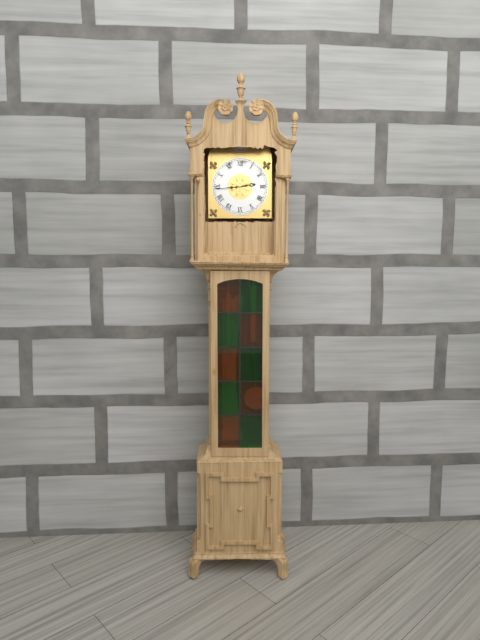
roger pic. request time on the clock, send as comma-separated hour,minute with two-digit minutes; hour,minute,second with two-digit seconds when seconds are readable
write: 2,44
